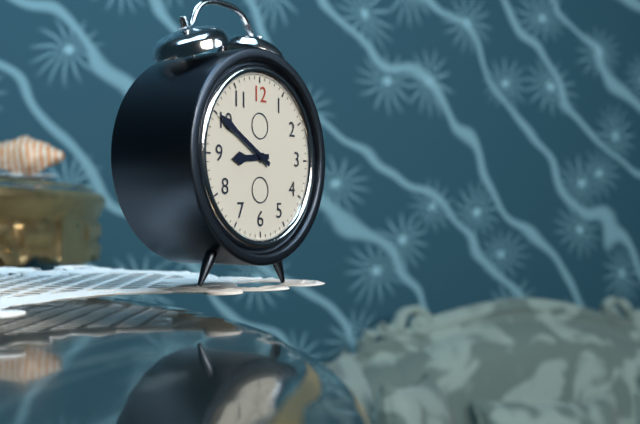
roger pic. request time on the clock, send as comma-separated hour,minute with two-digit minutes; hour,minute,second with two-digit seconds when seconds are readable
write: 8,50
